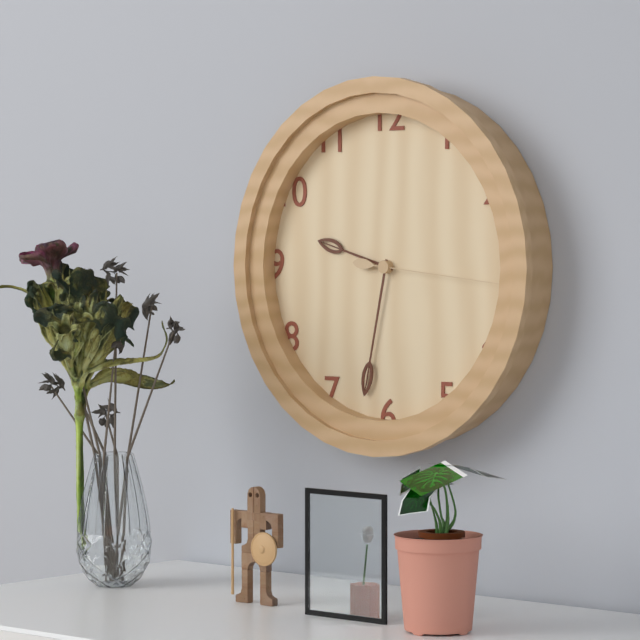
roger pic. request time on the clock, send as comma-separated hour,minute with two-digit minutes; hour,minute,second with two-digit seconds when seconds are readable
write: 9,32,16
